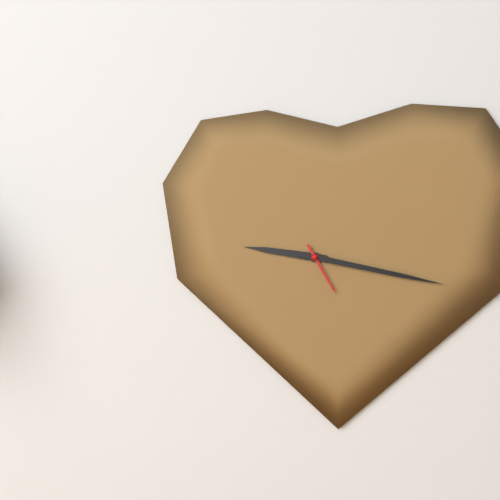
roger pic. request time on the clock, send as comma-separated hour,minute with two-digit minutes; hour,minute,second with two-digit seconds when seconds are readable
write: 9,17,25
